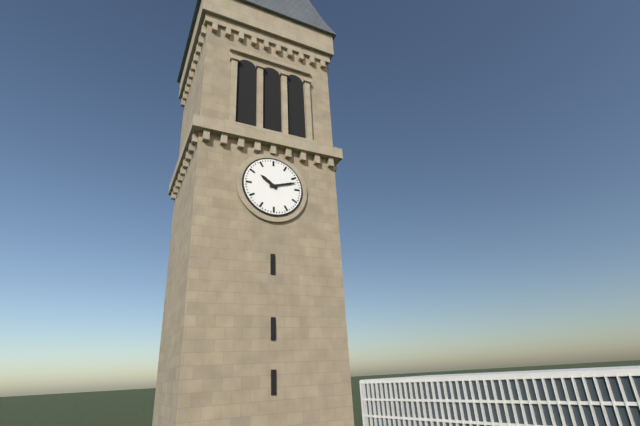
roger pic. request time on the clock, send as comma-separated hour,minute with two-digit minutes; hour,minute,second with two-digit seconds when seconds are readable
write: 10,12
